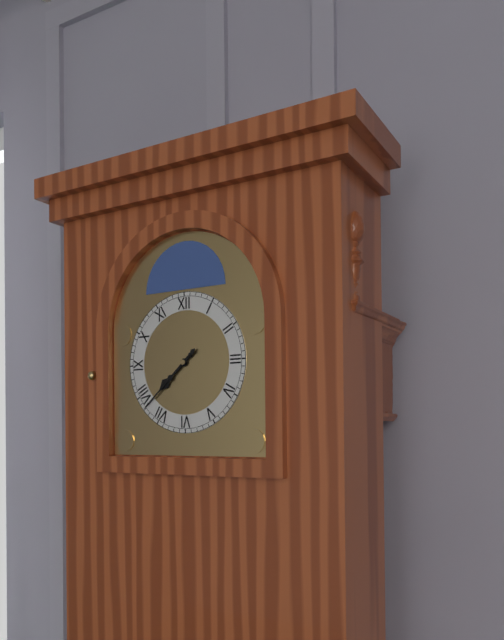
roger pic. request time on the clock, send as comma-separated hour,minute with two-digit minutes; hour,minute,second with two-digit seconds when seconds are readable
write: 7,38
